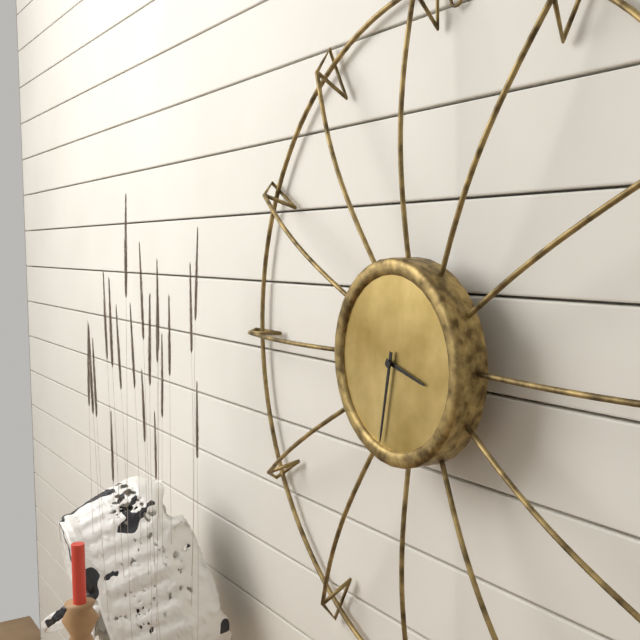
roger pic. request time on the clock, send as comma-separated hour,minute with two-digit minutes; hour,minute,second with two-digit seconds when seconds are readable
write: 3,32
